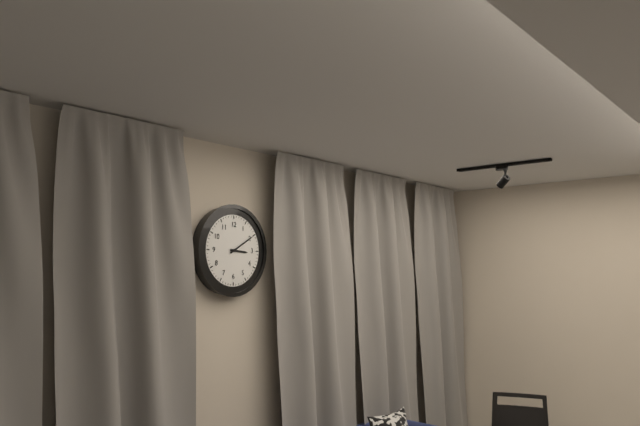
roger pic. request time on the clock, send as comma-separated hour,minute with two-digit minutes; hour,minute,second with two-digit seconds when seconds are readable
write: 3,10
